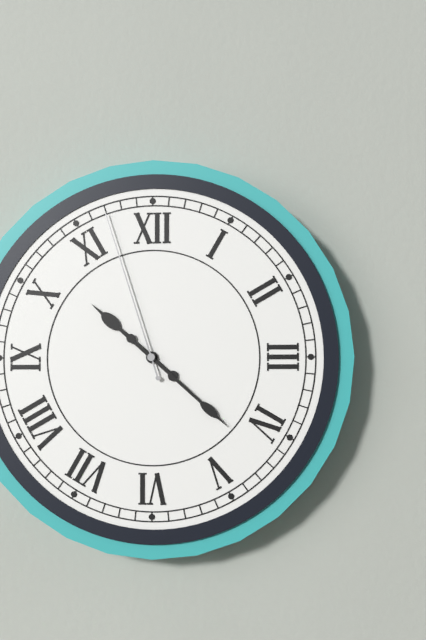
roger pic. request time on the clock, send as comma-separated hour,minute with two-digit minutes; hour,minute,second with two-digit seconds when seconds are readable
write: 10,22,57
